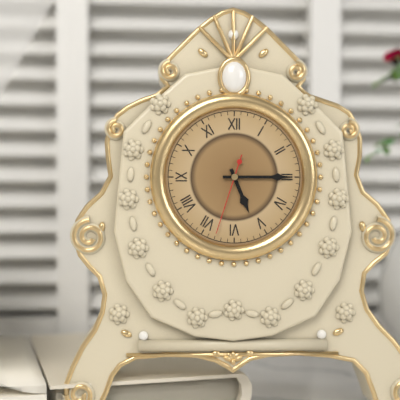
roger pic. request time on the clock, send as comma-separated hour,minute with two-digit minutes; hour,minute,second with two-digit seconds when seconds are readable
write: 5,15,33
